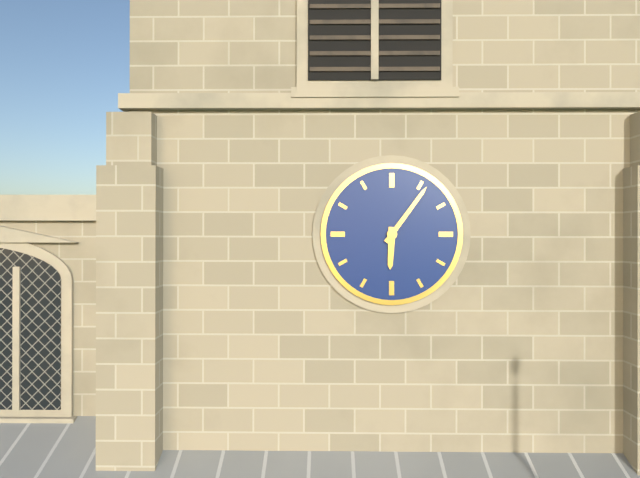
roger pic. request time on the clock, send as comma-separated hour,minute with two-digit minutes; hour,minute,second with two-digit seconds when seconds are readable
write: 6,06
